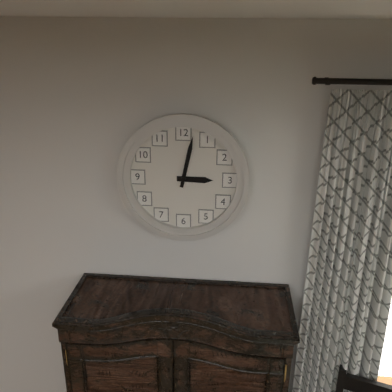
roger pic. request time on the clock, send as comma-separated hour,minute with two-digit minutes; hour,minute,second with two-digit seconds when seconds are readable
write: 3,02
